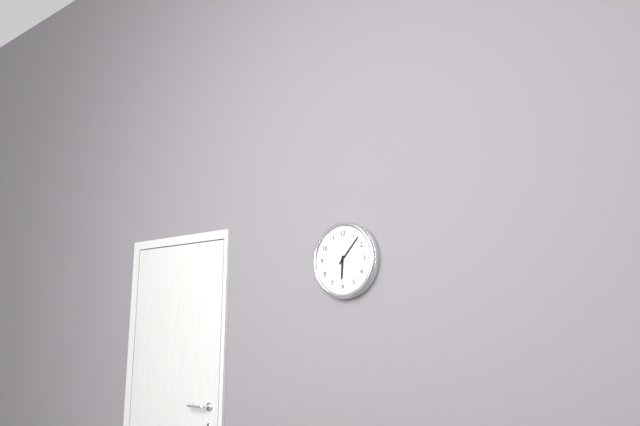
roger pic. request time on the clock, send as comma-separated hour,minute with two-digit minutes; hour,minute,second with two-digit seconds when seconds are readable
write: 6,07
